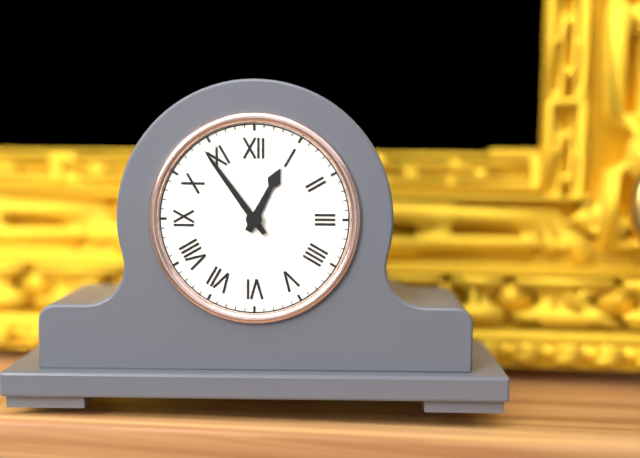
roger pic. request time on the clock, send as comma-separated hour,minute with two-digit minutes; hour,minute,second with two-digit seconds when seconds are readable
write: 12,54
